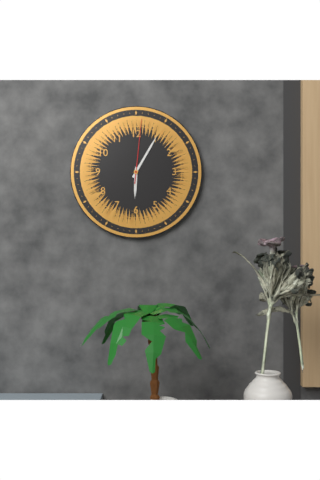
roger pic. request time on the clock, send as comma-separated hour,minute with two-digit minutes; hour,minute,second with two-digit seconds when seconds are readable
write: 6,05,01
